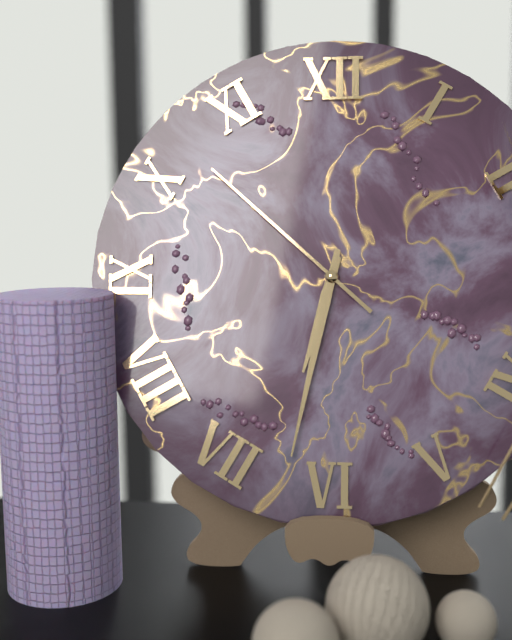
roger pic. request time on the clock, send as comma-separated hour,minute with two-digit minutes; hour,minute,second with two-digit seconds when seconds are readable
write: 6,32,52
